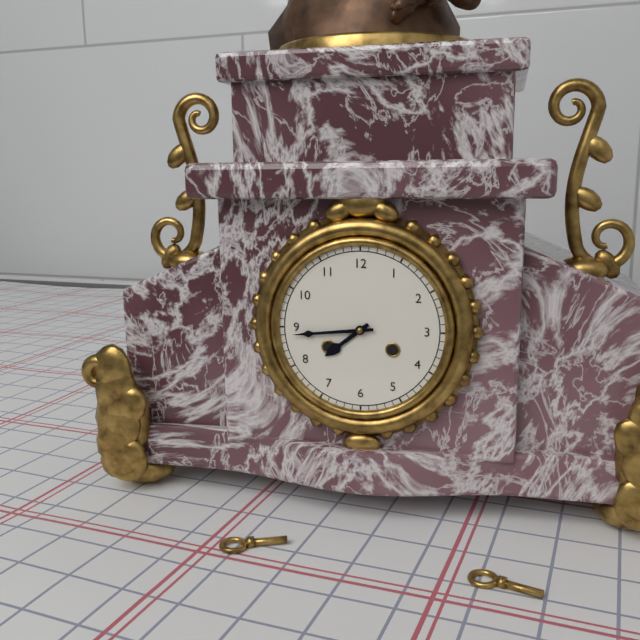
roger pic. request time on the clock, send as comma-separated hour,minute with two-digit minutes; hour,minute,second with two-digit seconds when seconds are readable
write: 7,44
